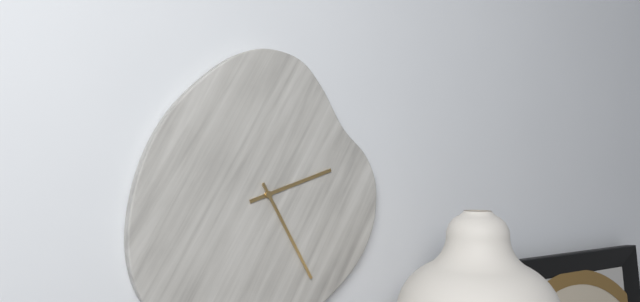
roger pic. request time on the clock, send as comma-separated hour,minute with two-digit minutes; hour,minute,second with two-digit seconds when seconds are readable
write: 2,25
